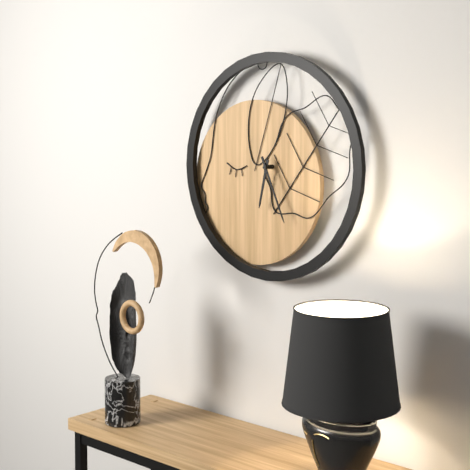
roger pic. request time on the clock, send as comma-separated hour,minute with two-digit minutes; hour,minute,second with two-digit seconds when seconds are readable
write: 6,26
